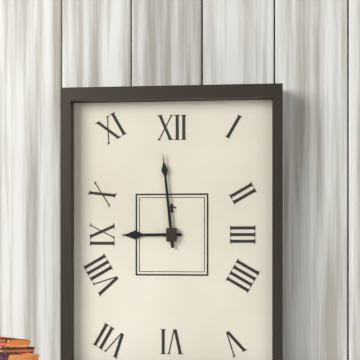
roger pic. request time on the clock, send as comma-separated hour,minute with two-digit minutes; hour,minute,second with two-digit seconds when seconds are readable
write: 8,59
